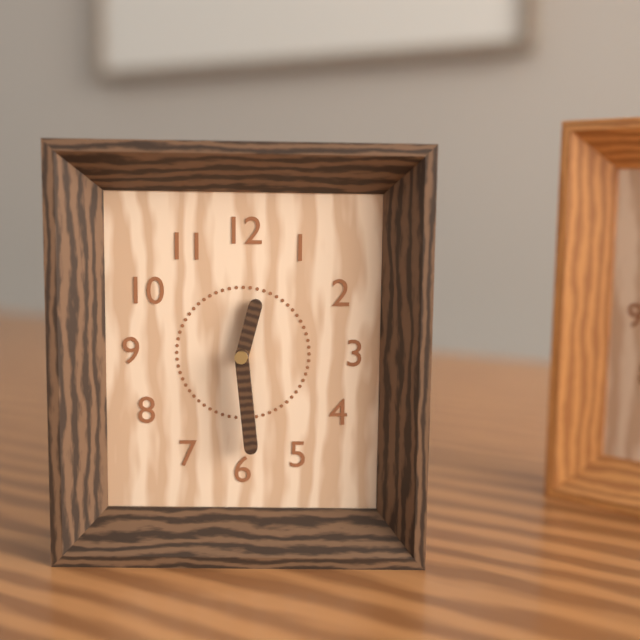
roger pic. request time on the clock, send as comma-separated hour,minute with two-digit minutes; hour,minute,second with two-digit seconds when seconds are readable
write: 12,29
